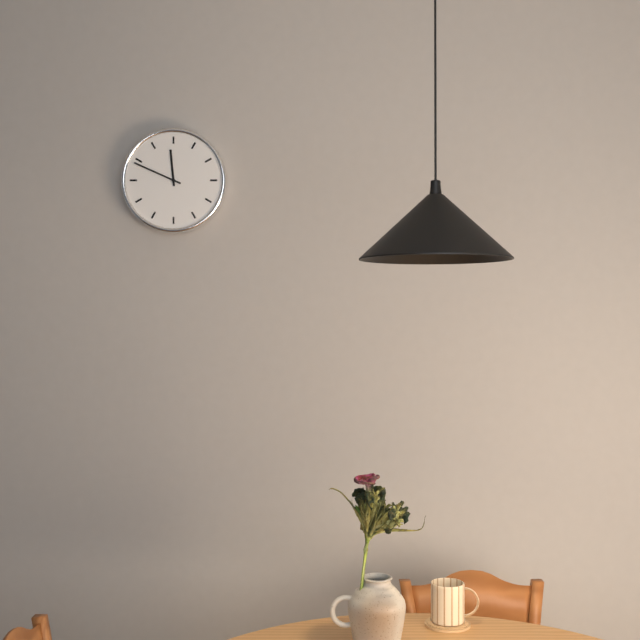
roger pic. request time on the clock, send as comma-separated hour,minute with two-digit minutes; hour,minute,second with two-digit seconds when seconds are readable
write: 11,49
